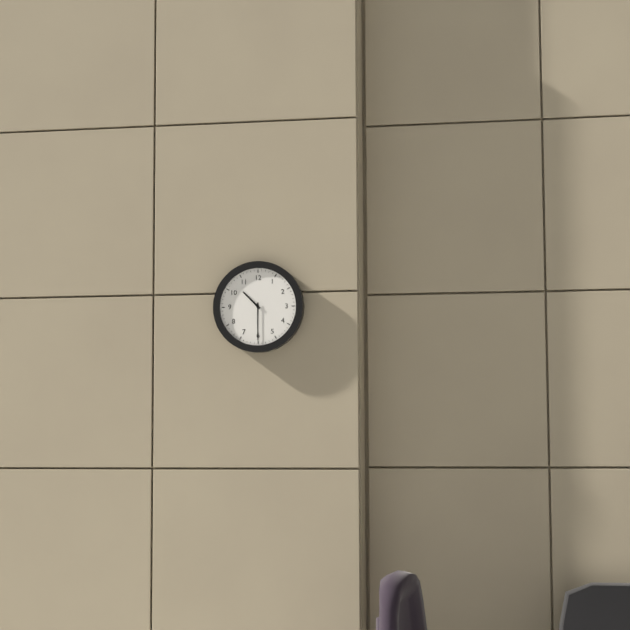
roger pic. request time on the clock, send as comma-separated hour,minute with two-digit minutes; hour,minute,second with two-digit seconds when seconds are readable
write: 10,30
